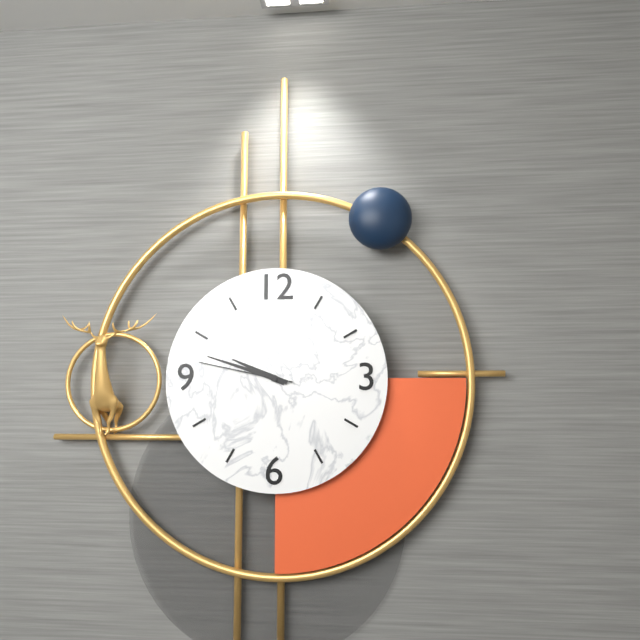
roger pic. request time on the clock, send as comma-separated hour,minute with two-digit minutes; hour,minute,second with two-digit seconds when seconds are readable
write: 9,48,47
